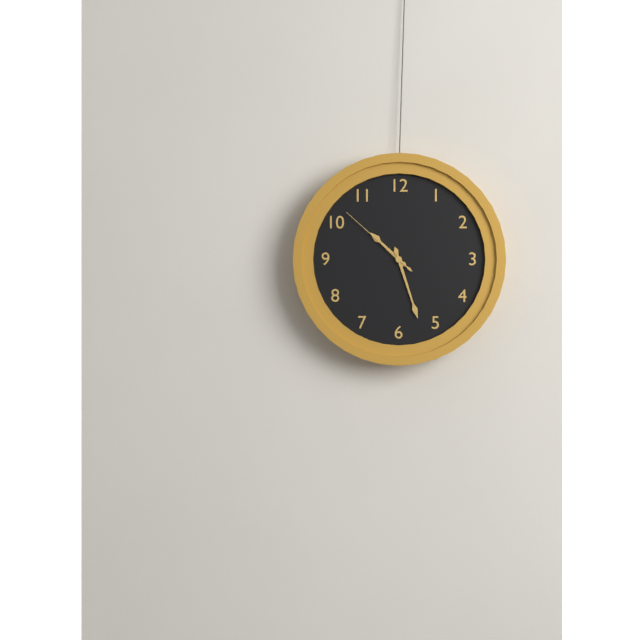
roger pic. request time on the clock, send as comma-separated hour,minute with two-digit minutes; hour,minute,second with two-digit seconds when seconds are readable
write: 10,27,52
